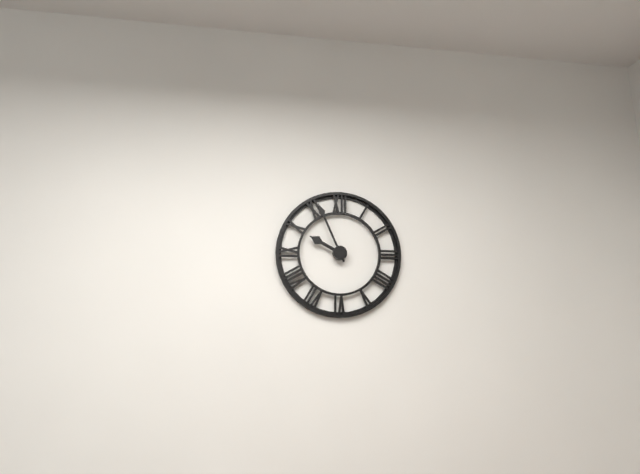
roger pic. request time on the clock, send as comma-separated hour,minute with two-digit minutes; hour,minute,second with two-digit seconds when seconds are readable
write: 9,56
